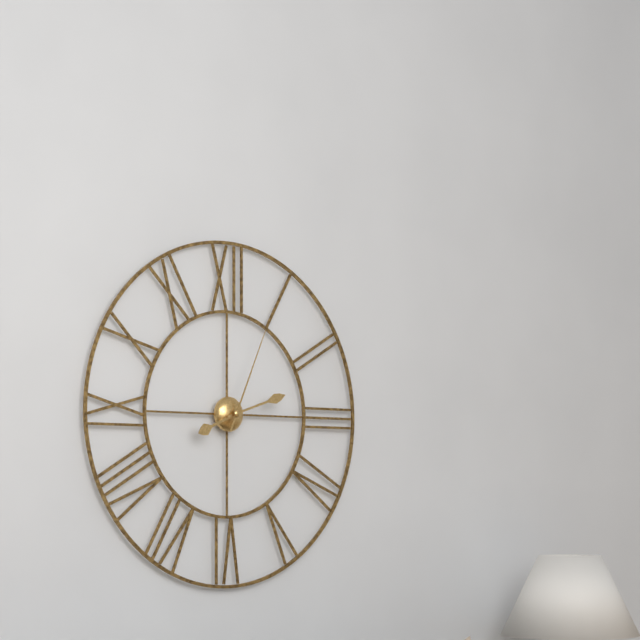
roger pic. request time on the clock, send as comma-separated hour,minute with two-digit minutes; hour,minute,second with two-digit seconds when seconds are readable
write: 8,12,04
